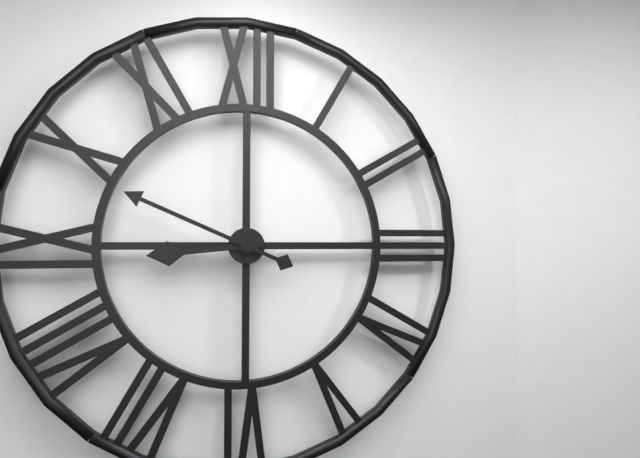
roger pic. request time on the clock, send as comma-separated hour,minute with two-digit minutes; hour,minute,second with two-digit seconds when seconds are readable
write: 8,49
